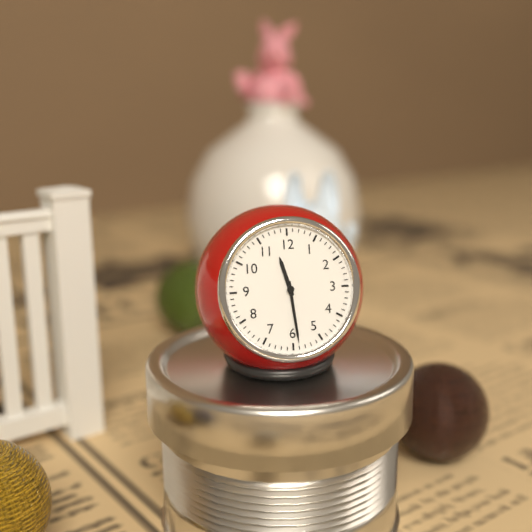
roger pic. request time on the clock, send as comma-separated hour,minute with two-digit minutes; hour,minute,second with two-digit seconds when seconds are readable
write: 11,29
